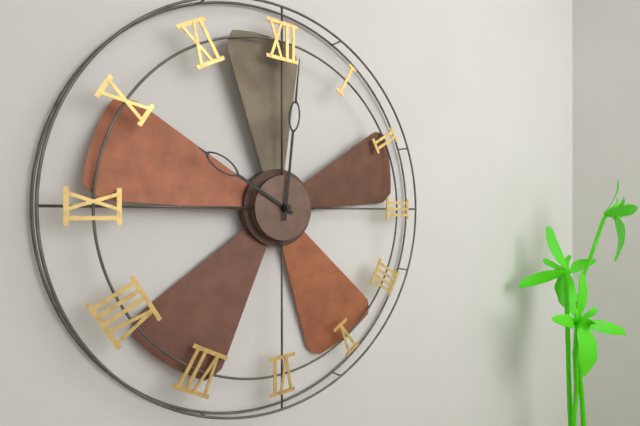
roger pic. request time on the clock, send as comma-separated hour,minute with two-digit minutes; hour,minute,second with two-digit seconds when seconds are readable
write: 10,01
